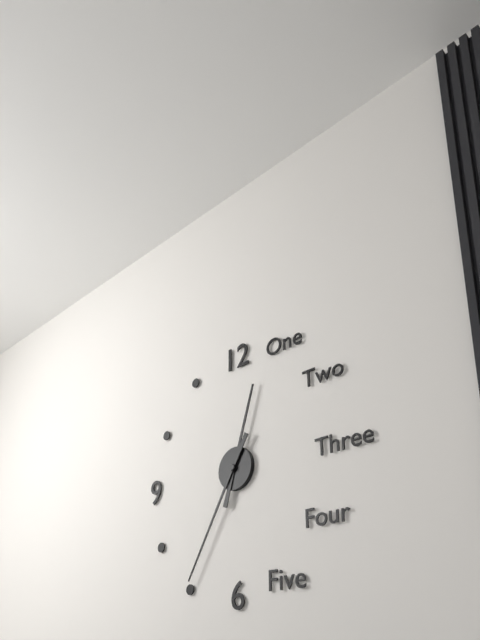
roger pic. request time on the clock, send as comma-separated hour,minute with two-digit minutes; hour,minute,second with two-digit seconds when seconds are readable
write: 12,35
